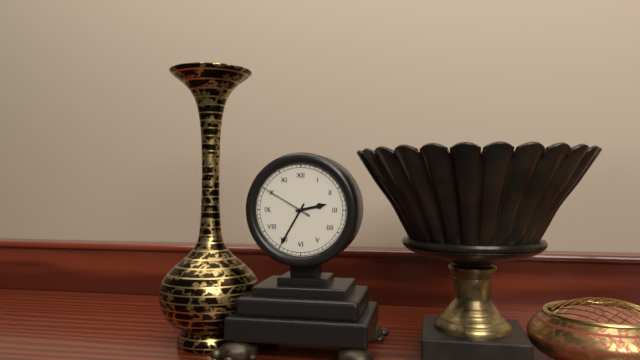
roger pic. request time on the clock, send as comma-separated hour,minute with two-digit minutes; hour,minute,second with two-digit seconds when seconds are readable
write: 2,35,50
